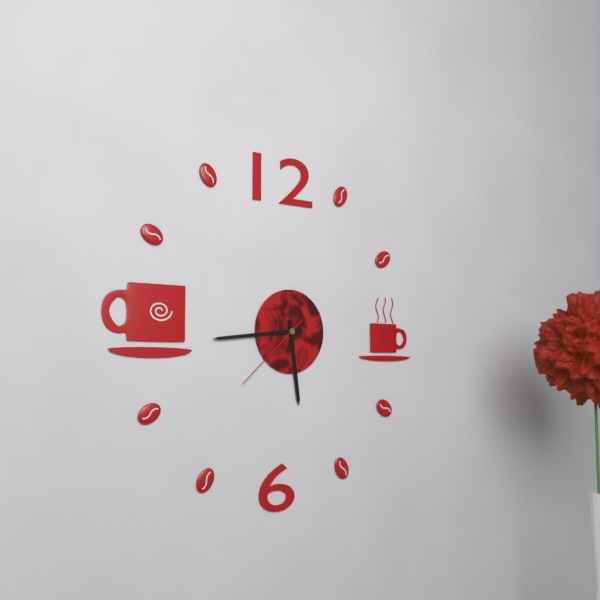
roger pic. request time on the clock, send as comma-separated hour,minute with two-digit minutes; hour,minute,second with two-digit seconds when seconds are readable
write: 5,44,38
